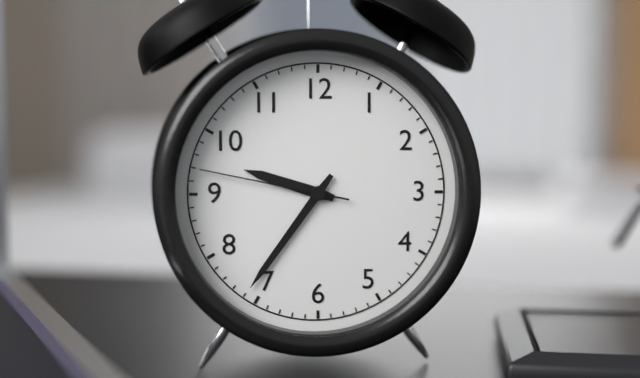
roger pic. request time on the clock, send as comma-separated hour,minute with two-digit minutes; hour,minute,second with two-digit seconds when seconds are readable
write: 9,36,47
